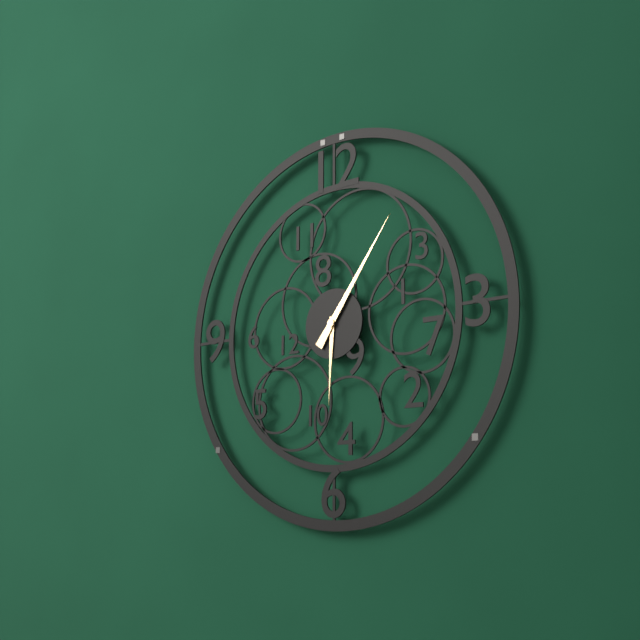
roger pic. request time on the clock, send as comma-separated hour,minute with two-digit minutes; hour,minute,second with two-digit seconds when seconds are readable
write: 6,06
